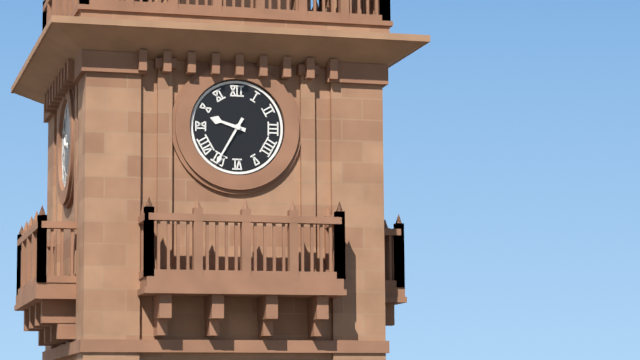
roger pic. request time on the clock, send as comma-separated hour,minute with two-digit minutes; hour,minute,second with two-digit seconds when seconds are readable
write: 9,35
